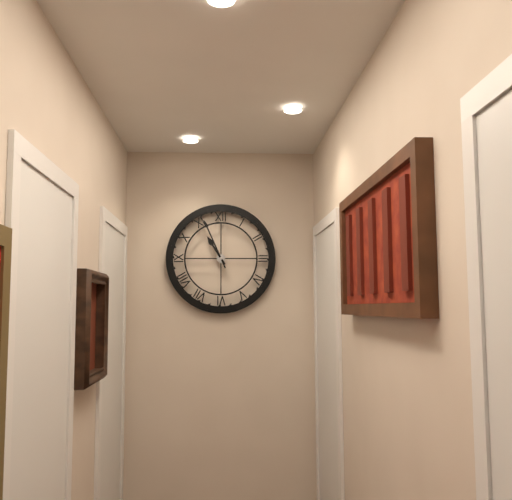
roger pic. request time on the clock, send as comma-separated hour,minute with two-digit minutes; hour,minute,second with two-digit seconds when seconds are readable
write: 10,56
